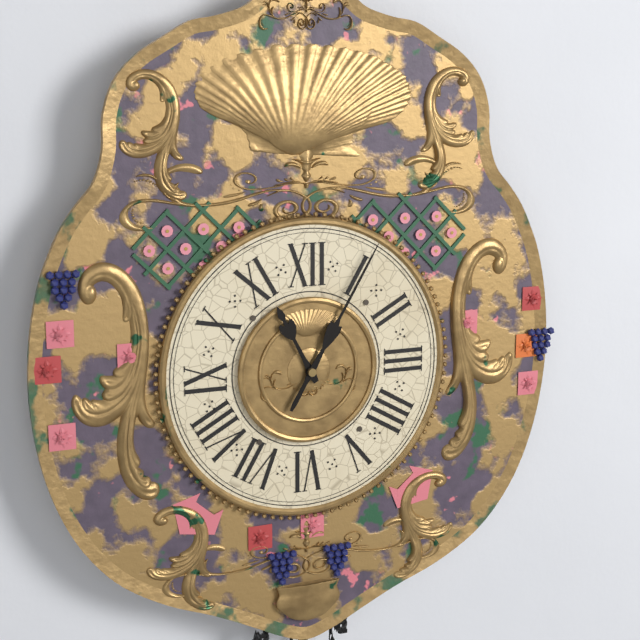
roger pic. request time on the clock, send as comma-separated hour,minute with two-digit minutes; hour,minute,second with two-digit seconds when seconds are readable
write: 11,05
